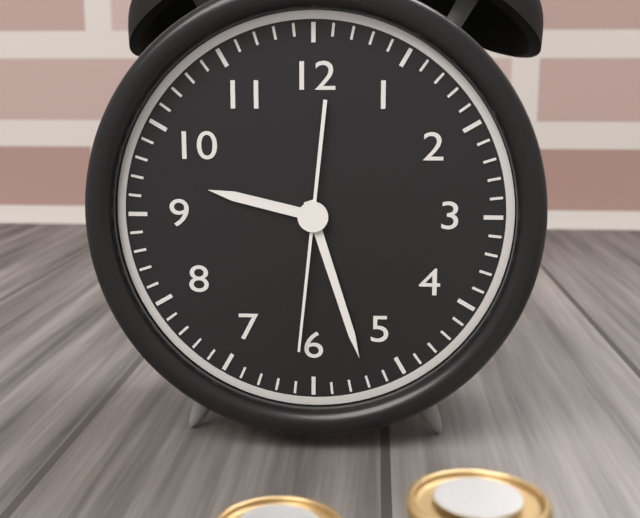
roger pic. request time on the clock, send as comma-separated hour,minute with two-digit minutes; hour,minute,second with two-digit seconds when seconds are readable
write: 9,27,31
